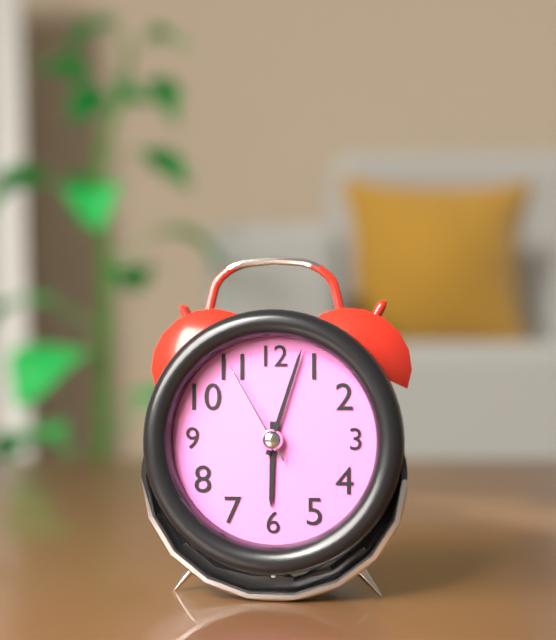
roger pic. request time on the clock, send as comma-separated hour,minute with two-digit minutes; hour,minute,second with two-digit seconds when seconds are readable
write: 6,03,55
